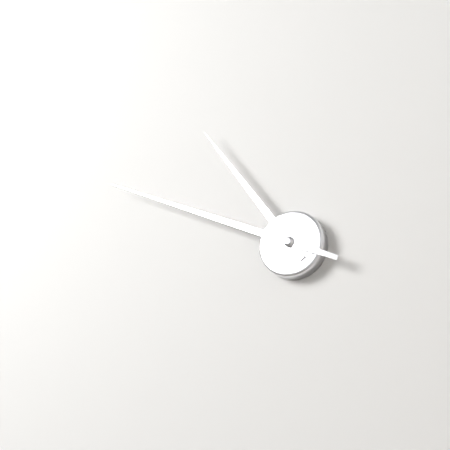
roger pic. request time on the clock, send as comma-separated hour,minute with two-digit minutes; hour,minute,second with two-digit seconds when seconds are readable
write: 10,49
